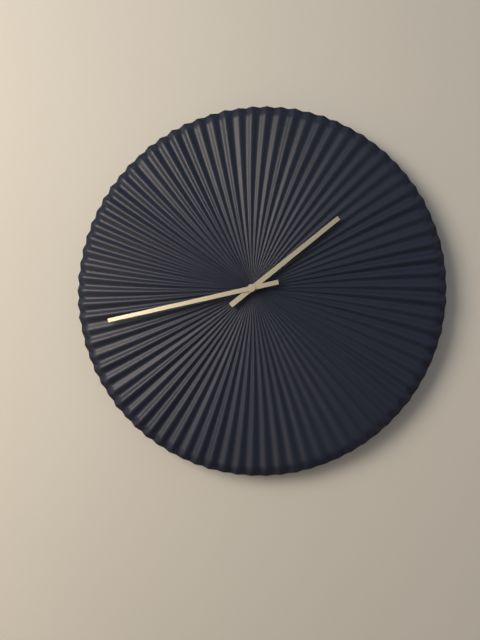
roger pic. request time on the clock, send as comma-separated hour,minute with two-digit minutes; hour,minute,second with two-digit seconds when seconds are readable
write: 1,43
